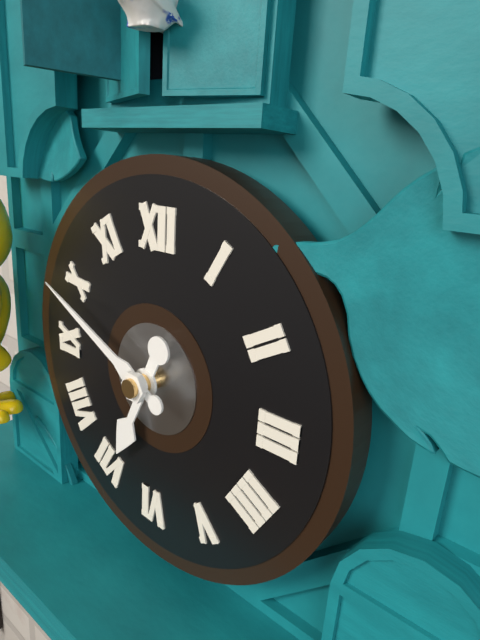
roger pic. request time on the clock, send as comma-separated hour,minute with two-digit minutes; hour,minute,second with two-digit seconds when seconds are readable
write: 6,49
